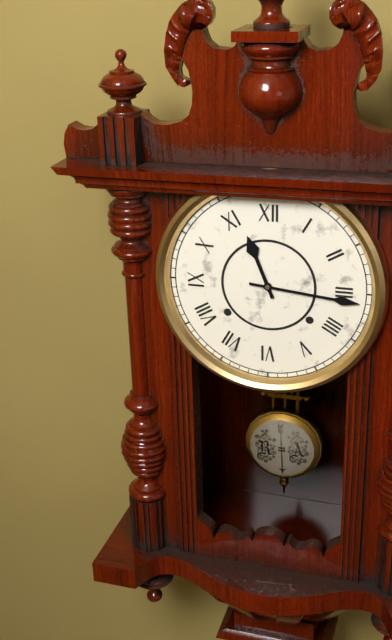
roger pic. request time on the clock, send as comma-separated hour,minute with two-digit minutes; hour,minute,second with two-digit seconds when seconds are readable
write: 11,16
